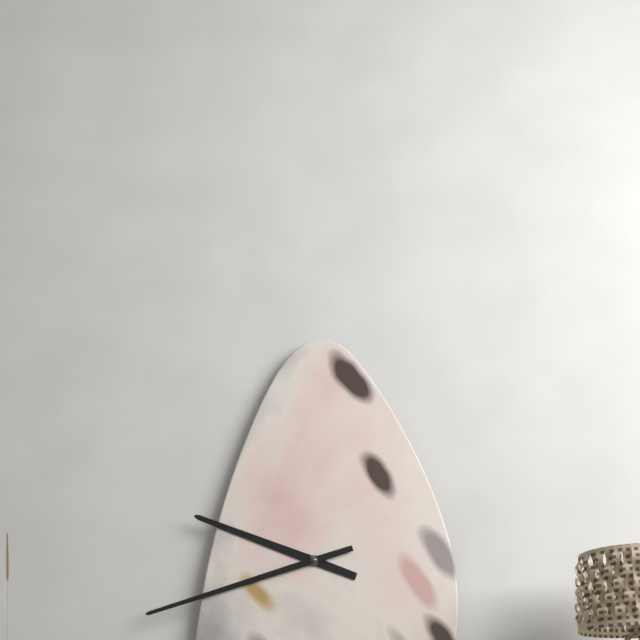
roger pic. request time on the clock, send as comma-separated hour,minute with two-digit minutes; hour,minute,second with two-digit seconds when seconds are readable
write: 9,42
